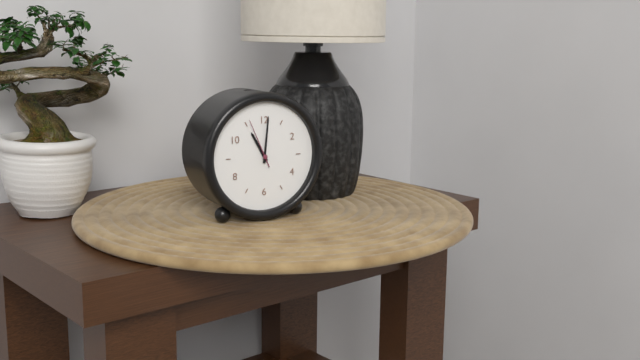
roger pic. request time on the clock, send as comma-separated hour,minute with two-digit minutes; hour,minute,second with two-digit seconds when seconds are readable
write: 11,01,56
